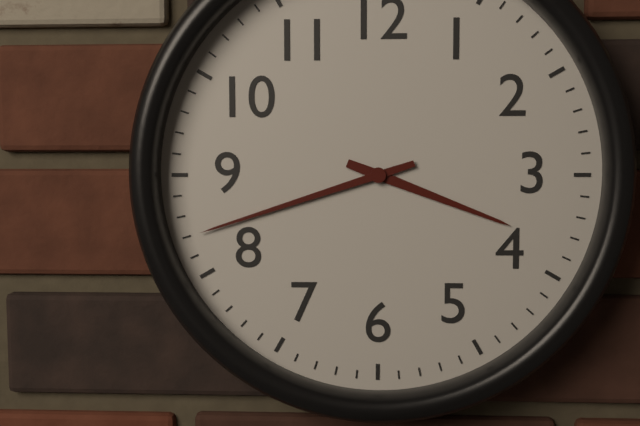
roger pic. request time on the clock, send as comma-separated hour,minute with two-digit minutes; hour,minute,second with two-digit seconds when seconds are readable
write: 3,42
